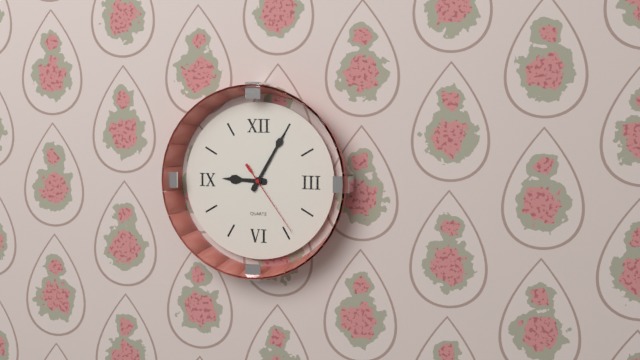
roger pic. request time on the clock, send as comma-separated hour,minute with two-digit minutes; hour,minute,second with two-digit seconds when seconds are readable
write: 9,05,24
